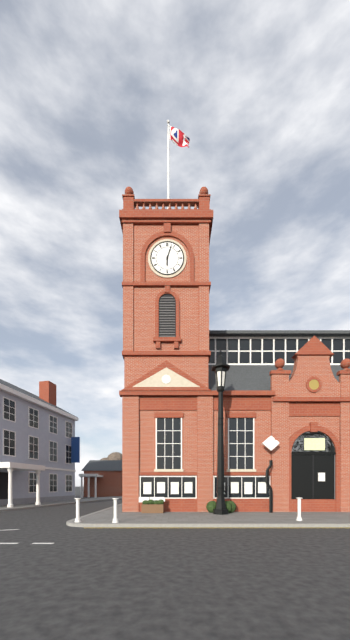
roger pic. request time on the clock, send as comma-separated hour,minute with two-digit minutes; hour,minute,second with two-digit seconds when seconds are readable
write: 6,03
